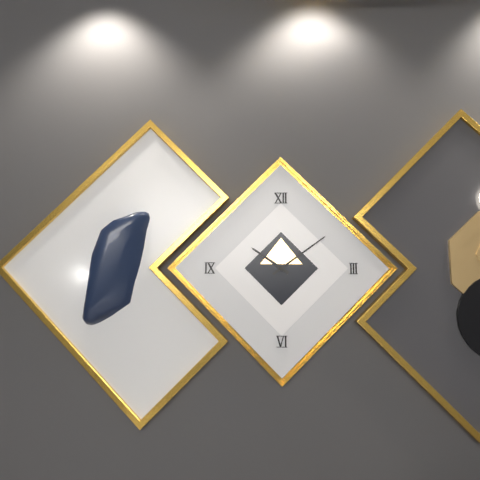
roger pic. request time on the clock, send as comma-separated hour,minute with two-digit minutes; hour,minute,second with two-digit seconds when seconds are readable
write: 10,09
